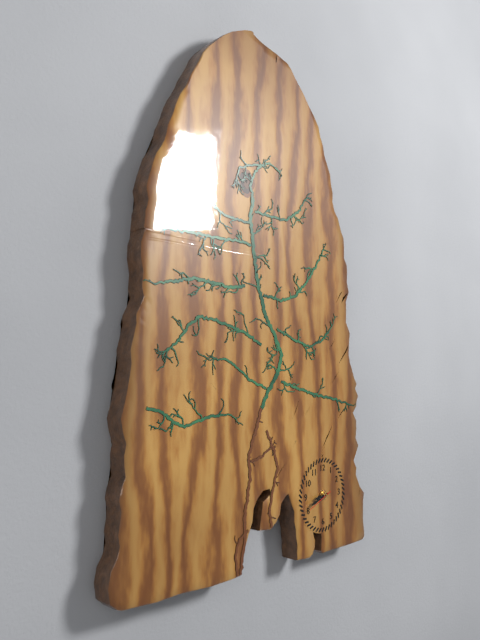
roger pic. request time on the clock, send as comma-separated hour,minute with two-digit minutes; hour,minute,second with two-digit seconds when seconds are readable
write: 8,42
